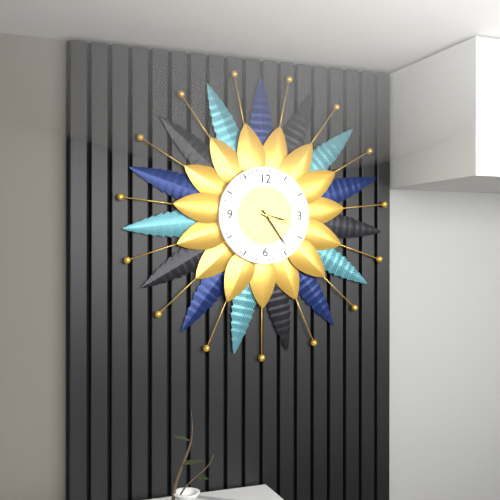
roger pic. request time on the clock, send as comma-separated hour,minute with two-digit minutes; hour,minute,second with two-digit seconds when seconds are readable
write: 3,24
